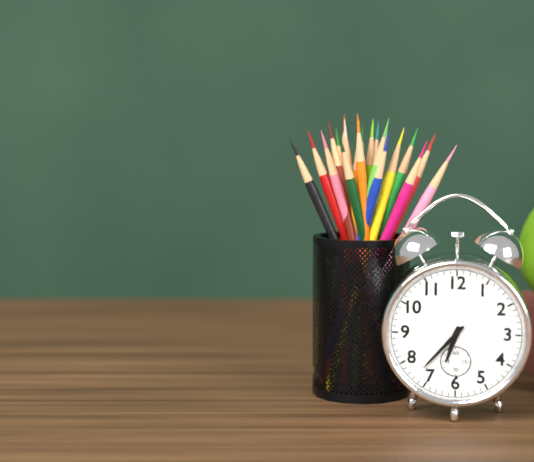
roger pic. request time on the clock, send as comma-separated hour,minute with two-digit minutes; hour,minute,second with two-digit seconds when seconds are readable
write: 6,37
